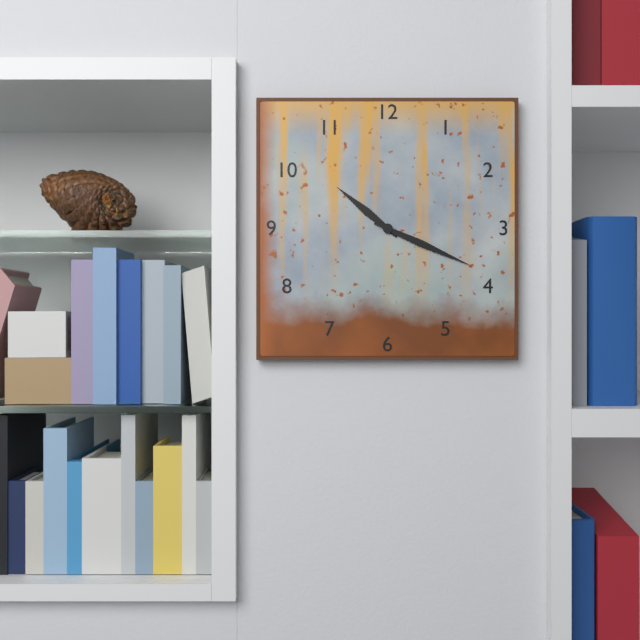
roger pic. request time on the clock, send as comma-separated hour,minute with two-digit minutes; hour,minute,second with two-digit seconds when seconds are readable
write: 10,19
